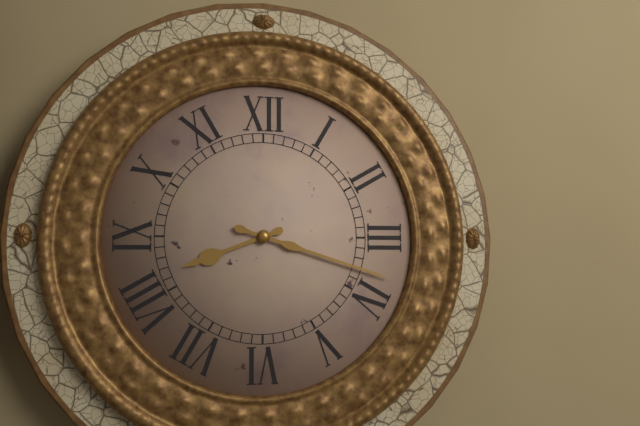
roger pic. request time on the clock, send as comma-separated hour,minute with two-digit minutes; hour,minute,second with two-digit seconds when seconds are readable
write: 8,18
